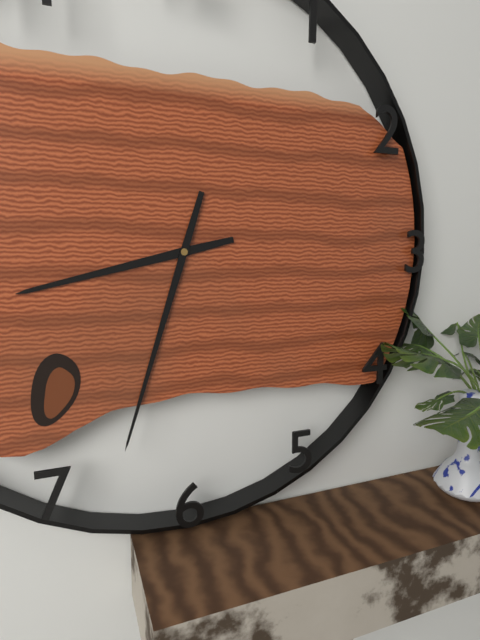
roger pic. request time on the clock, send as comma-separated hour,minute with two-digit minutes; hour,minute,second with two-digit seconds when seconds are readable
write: 8,33
